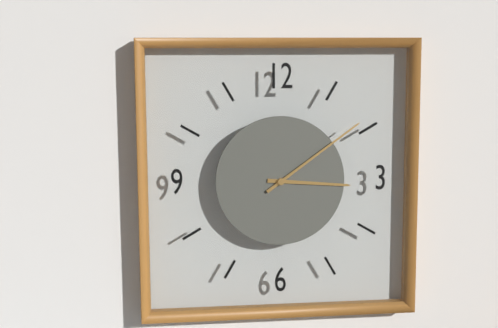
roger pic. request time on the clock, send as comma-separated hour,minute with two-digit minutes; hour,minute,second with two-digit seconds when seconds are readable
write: 3,09
